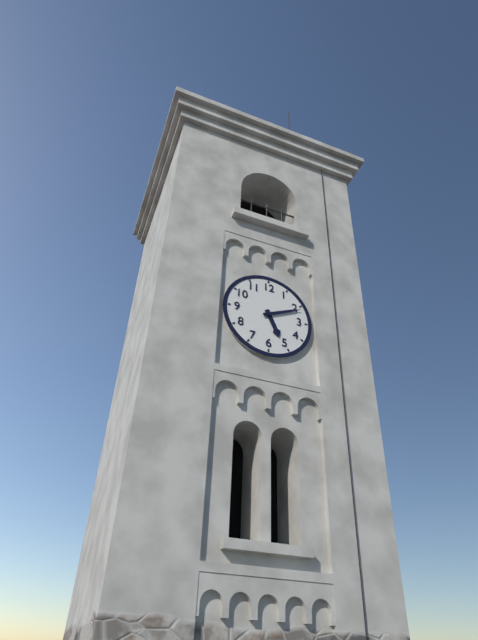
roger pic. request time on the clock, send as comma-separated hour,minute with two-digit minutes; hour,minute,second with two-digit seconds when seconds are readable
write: 5,11
